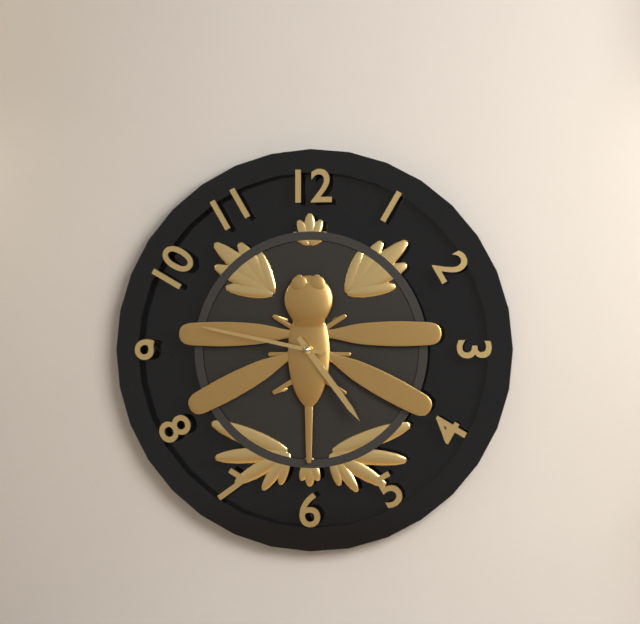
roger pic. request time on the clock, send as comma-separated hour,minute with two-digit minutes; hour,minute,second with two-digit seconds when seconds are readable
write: 4,47
